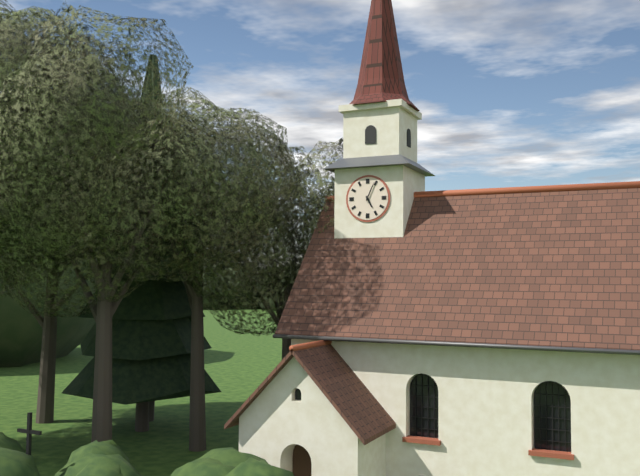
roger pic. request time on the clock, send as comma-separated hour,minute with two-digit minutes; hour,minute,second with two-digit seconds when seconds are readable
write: 5,04
